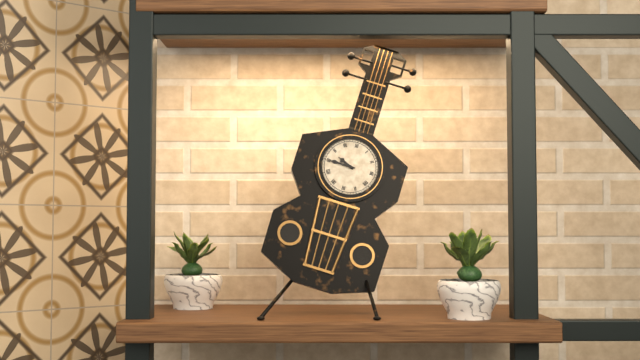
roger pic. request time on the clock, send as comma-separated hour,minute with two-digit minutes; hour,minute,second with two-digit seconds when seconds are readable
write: 9,45
